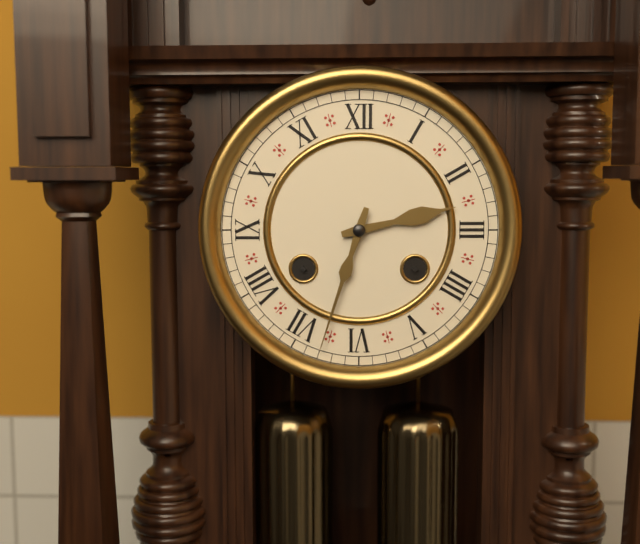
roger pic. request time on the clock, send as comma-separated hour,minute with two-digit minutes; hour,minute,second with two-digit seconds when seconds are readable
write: 2,33
